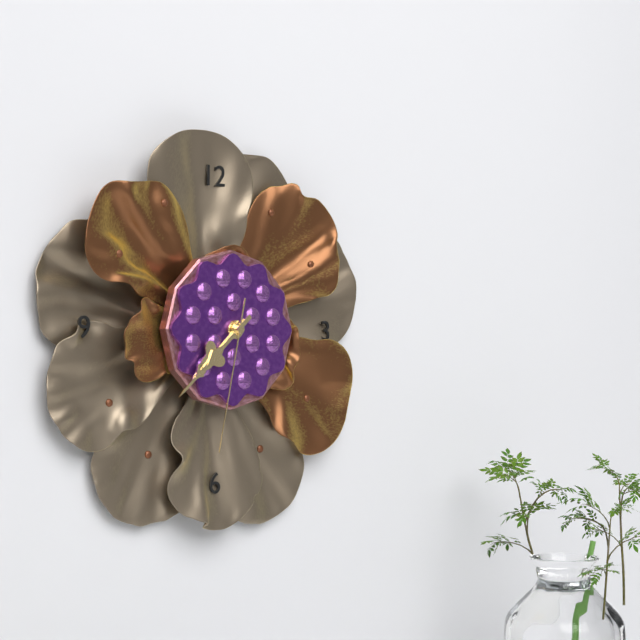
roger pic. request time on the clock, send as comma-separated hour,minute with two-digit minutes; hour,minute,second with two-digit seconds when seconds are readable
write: 7,38,32
